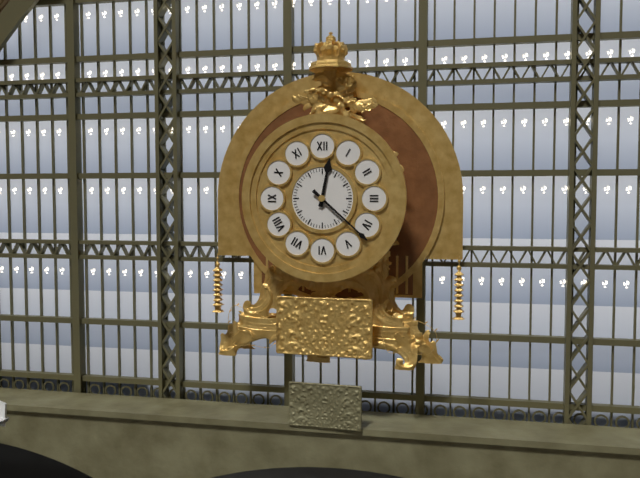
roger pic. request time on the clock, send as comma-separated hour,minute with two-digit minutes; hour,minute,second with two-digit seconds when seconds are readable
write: 12,22
